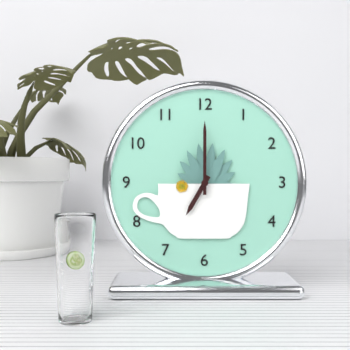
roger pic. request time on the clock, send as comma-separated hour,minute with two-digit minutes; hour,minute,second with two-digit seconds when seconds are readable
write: 7,00
